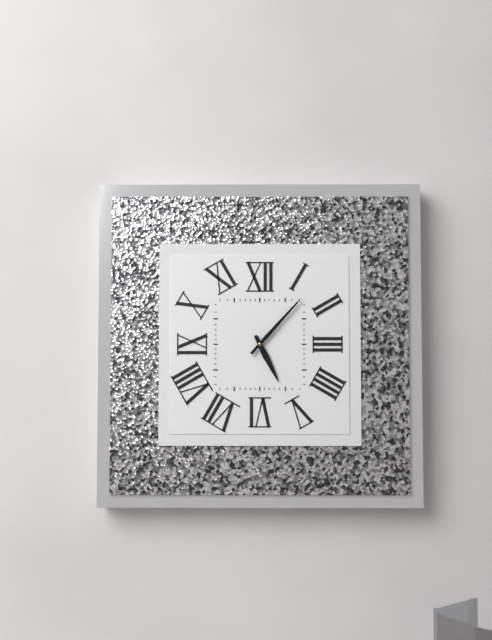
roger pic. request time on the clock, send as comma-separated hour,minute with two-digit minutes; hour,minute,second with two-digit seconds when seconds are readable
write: 5,07
